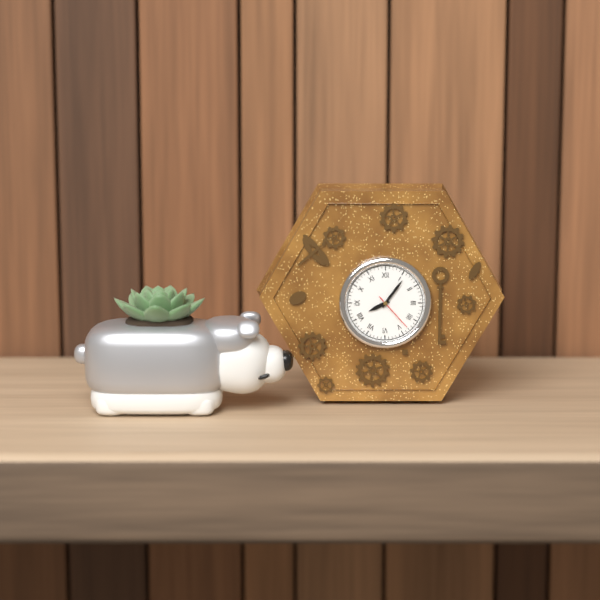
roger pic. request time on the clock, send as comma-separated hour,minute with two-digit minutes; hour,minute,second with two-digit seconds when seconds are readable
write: 8,06
